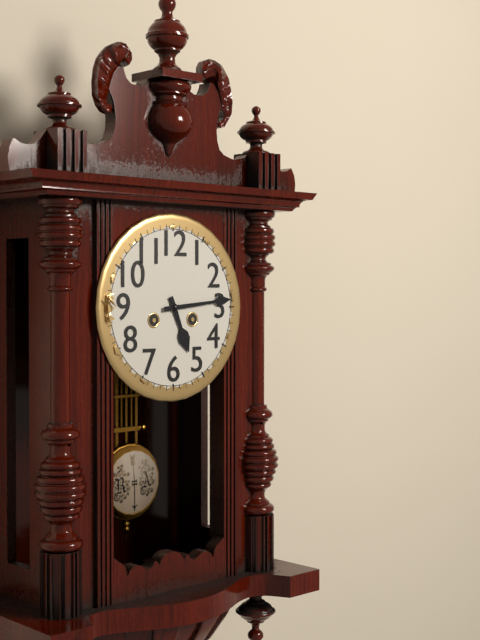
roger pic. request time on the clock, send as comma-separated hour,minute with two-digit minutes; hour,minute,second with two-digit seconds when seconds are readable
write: 5,14
